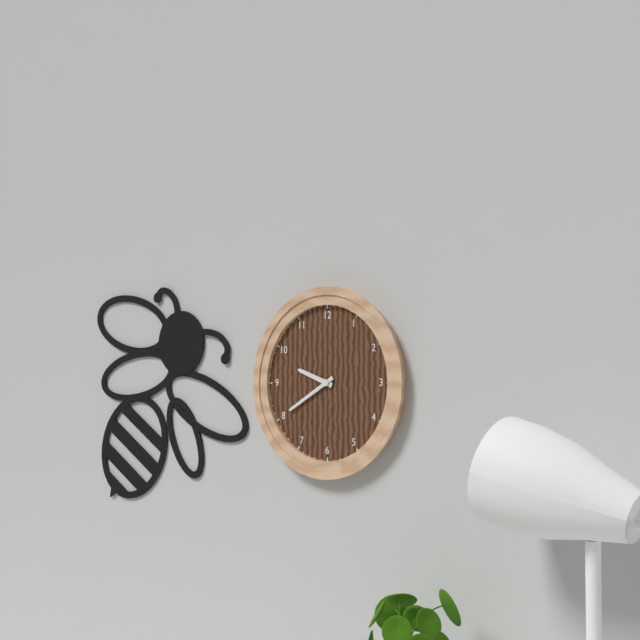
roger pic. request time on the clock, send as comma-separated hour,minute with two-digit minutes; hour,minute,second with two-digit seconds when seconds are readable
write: 9,40
